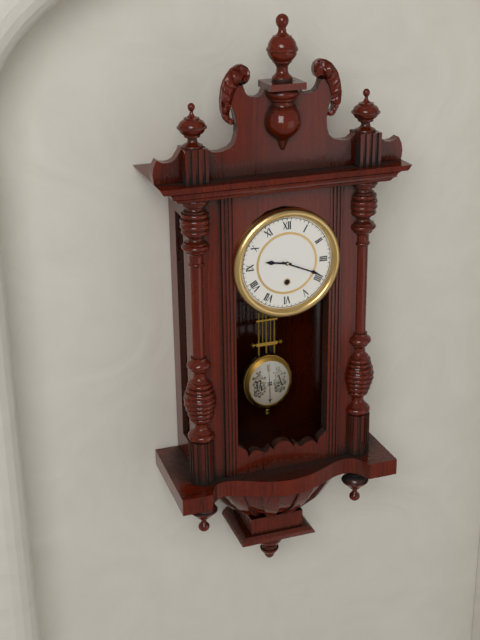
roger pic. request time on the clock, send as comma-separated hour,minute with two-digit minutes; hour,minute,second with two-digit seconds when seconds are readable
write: 9,19
